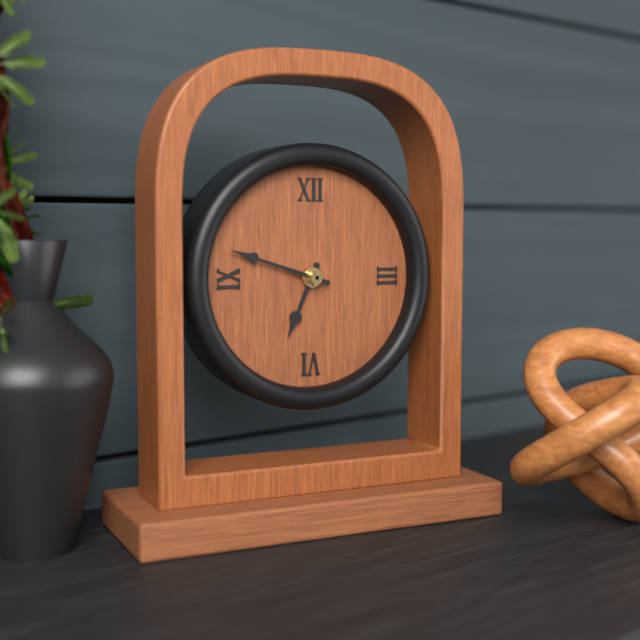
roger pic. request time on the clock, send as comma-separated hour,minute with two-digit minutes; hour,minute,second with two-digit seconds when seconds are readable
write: 6,48
